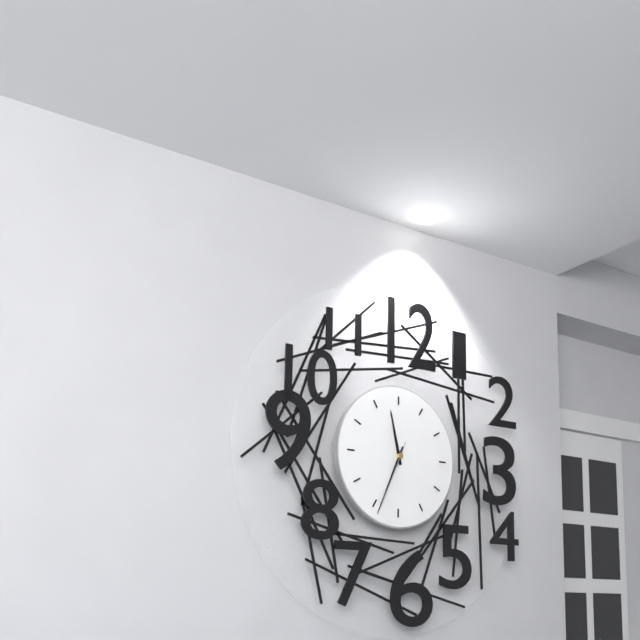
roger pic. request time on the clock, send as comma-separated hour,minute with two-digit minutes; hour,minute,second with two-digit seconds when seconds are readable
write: 11,34,34
